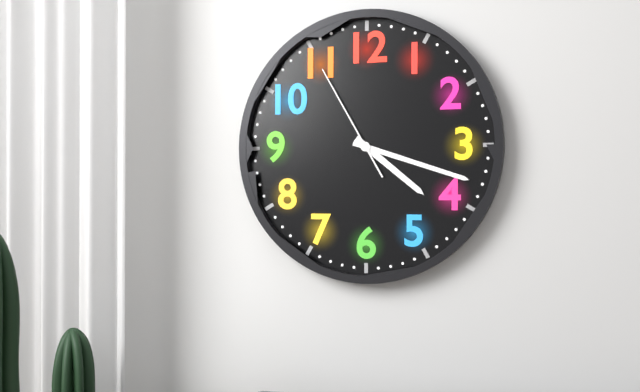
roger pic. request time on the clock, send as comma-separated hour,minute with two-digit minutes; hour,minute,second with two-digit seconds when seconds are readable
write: 4,18,55
